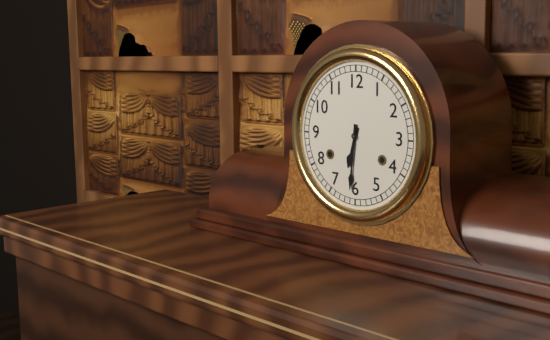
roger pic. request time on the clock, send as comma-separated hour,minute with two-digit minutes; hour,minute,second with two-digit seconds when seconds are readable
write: 6,31
